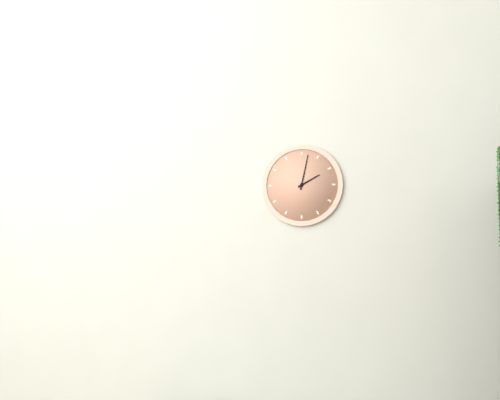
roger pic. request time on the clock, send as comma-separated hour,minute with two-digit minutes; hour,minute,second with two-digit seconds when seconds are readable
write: 2,02
